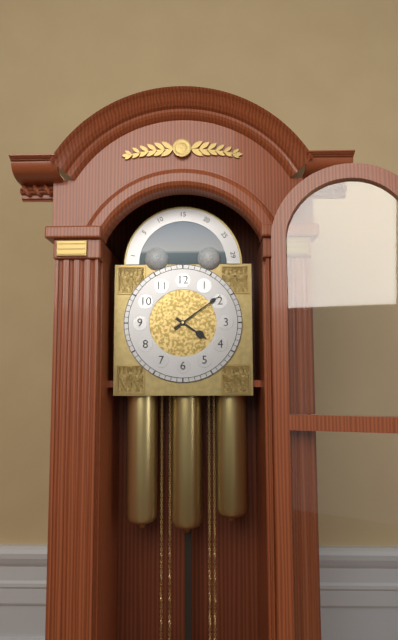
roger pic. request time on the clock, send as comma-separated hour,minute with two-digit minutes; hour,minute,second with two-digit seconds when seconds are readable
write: 4,09
